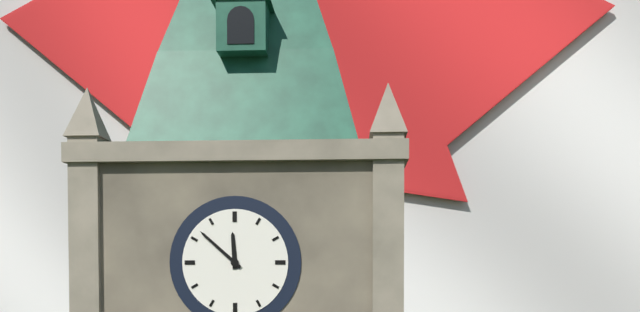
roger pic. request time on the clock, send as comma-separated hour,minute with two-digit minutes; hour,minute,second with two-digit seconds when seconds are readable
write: 11,52
